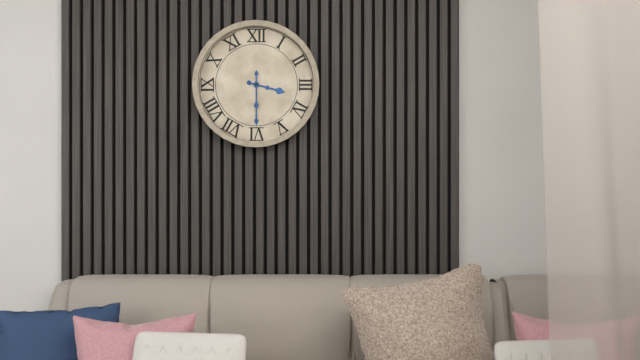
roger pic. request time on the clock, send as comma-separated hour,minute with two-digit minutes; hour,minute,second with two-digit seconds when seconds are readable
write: 3,30
